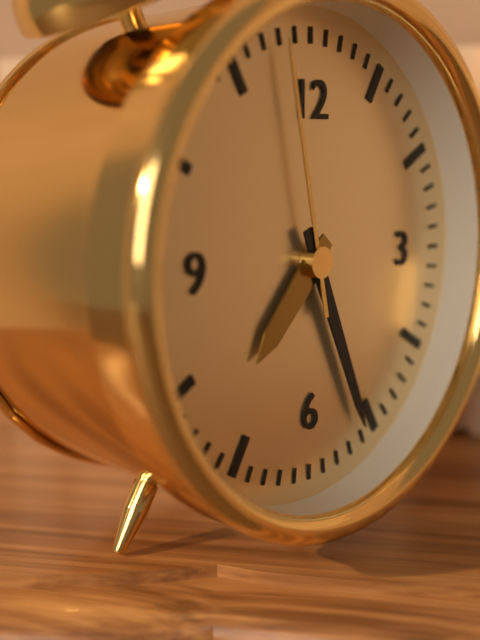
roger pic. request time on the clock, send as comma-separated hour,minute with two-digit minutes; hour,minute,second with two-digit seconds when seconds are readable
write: 7,26,58
